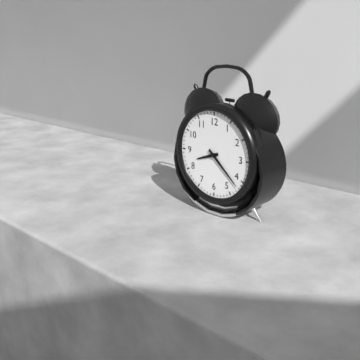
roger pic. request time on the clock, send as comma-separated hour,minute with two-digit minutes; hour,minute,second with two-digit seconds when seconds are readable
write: 8,22
